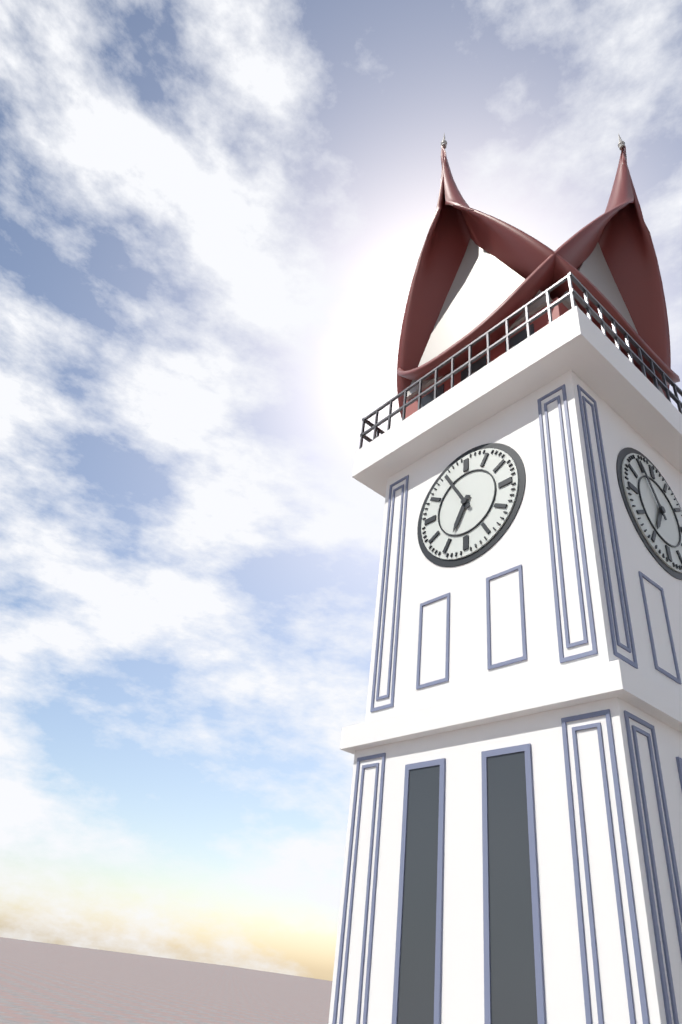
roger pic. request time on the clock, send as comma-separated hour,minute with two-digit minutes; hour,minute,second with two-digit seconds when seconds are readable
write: 6,55
